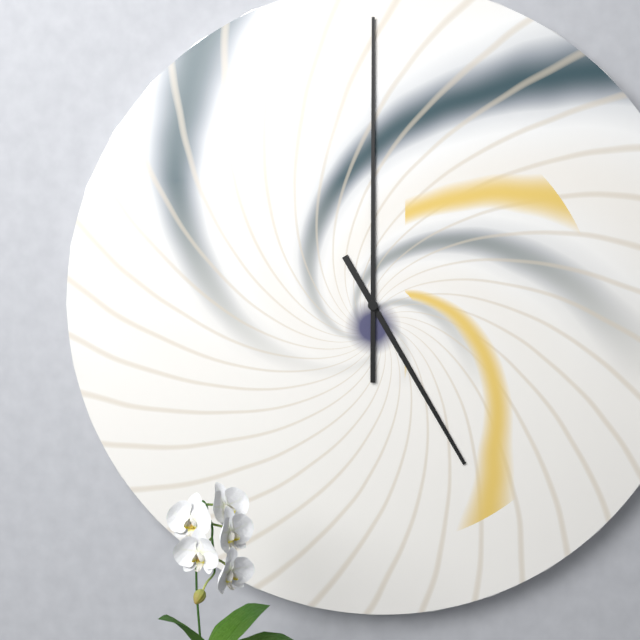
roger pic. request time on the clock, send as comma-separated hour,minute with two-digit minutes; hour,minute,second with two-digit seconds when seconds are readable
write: 5,00
